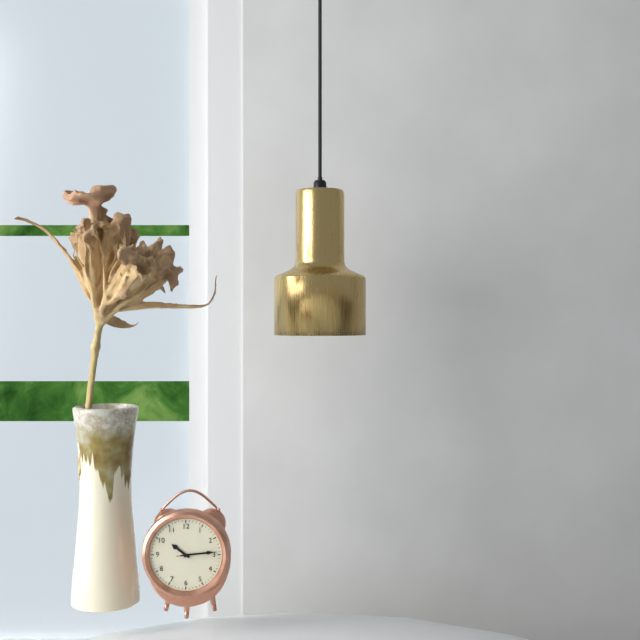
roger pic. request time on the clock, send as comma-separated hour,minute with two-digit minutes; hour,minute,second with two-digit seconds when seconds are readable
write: 10,14
